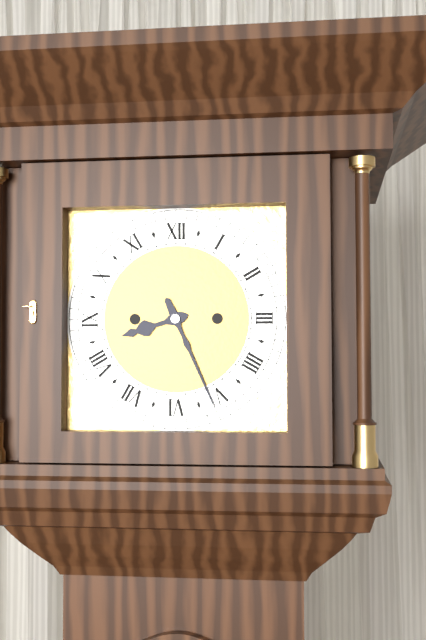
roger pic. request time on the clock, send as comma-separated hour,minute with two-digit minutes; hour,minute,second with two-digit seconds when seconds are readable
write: 8,26
